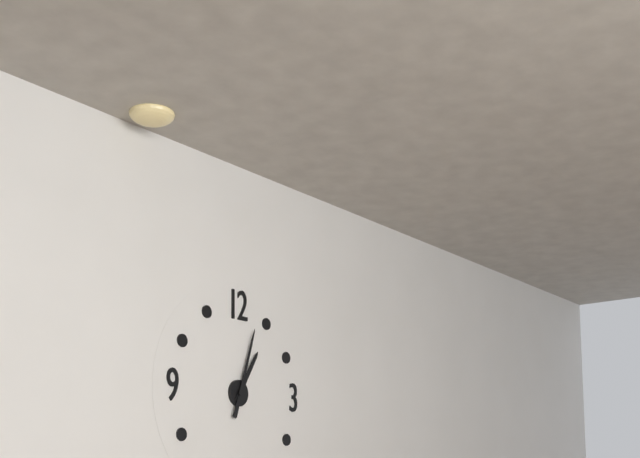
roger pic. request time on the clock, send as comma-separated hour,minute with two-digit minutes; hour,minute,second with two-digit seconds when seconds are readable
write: 1,03
